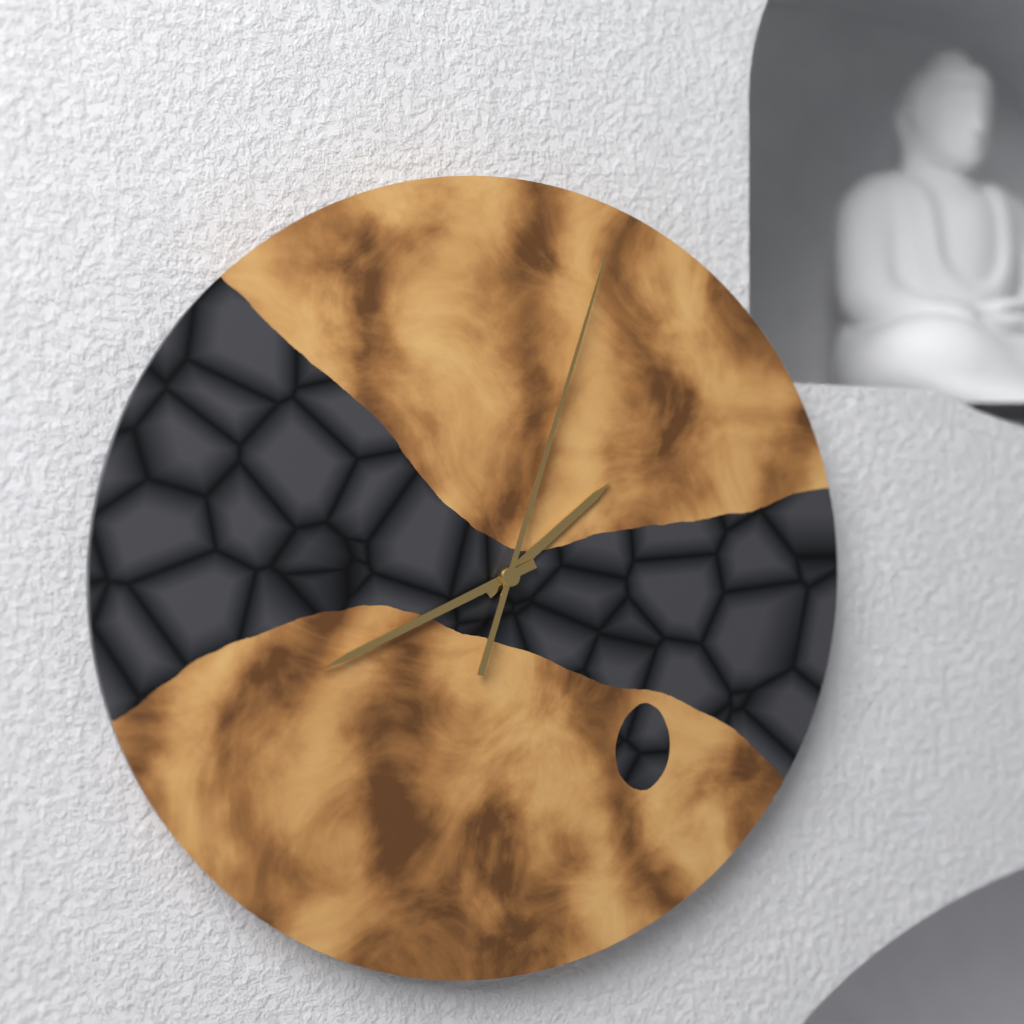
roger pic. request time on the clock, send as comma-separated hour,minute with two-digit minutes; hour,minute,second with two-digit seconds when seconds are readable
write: 1,41,03
